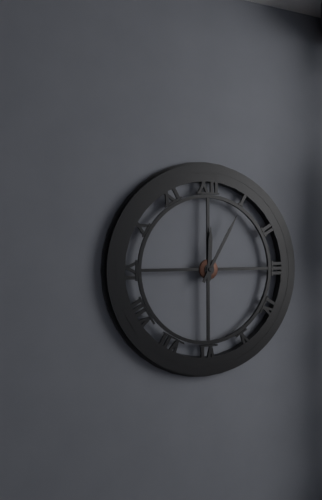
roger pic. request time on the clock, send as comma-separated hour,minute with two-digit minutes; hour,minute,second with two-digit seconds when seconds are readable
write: 12,05
